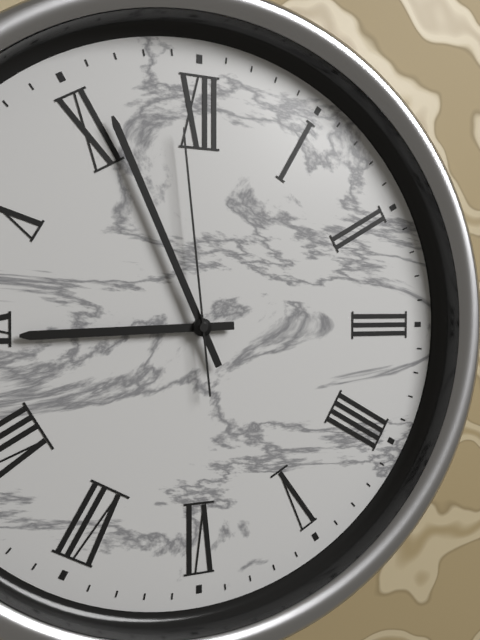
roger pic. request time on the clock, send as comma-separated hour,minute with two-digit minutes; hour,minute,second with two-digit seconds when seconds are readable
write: 8,56,59
